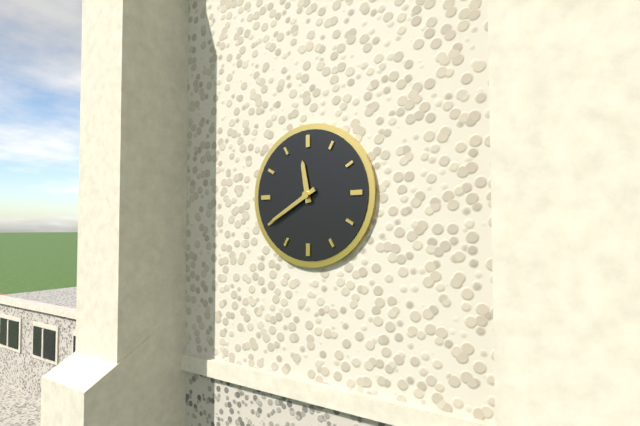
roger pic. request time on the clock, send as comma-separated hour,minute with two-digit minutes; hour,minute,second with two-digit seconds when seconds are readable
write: 11,40
